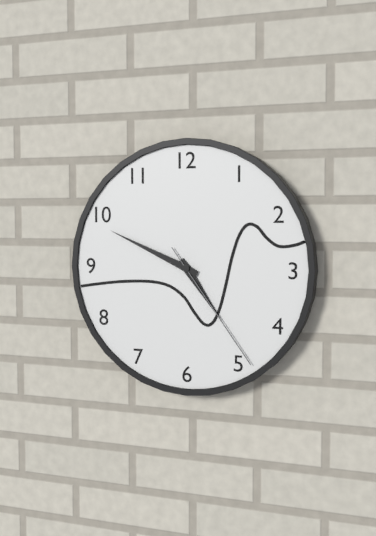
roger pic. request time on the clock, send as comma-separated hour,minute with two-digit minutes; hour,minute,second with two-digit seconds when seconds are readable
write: 4,49,24
